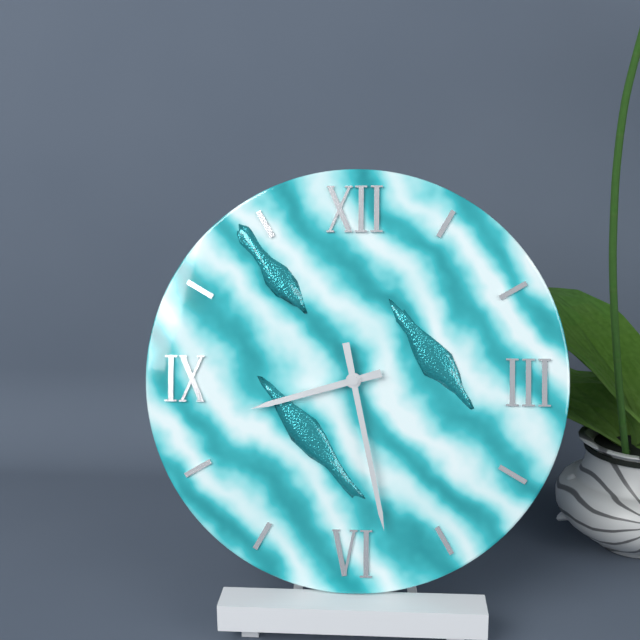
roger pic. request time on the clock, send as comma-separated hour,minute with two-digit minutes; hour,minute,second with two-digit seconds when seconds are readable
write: 8,28
